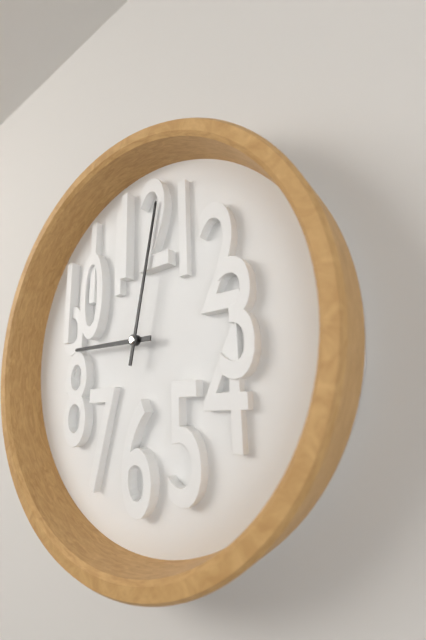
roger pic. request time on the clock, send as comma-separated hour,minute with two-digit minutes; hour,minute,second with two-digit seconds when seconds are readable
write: 9,02
